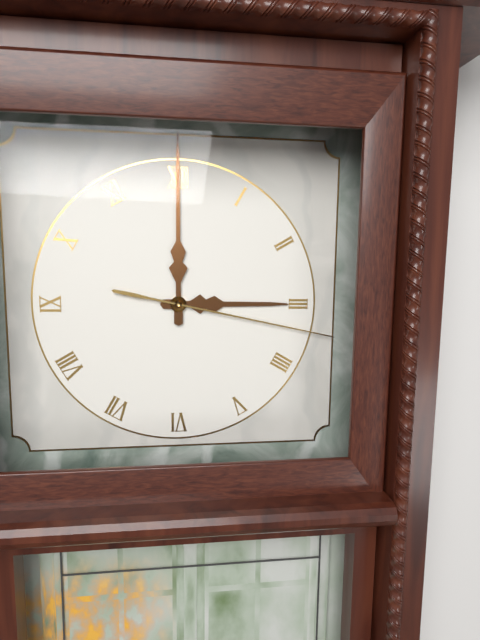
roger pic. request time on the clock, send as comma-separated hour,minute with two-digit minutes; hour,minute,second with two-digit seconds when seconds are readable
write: 3,00,17
